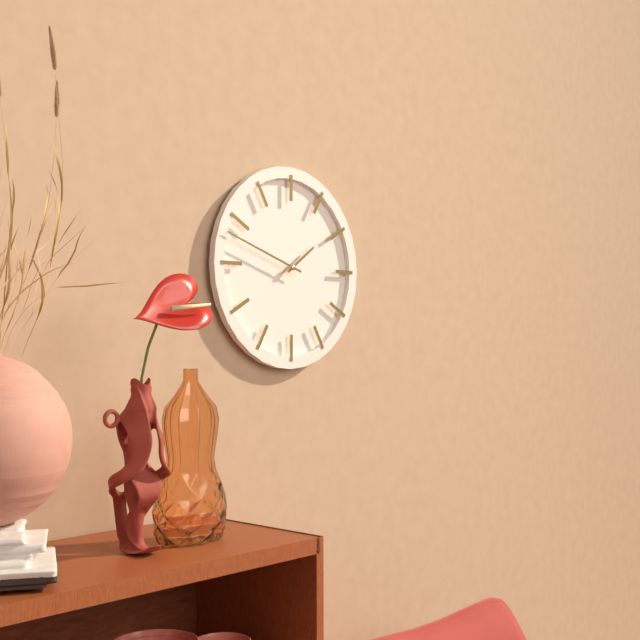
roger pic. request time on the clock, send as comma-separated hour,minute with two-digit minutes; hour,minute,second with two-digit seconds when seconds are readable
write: 1,48
